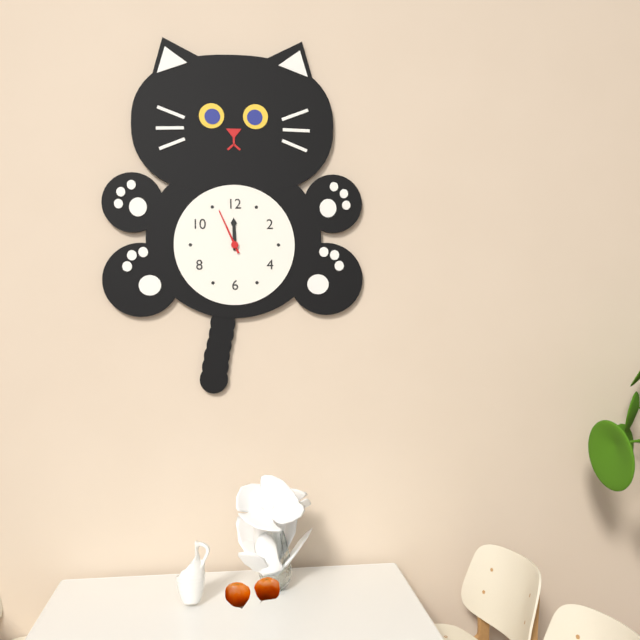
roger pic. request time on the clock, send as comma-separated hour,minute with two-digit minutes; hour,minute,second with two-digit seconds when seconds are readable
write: 11,56
